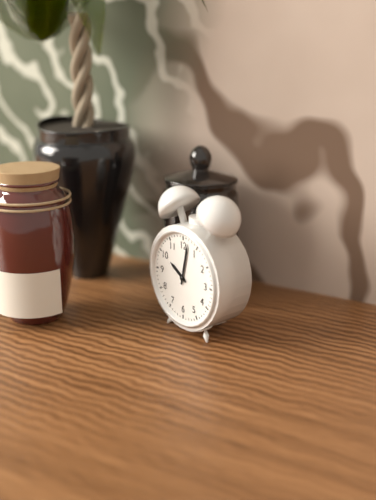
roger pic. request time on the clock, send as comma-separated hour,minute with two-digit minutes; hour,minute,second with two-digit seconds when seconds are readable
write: 10,02
